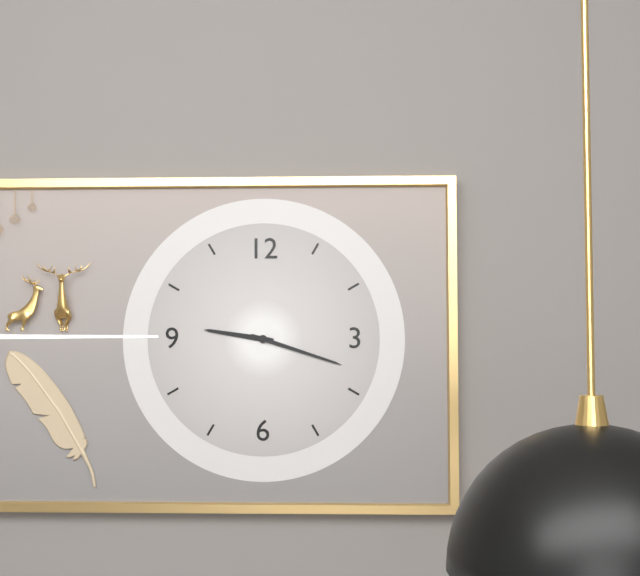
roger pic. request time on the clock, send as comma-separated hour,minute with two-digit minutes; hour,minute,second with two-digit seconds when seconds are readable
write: 9,18
